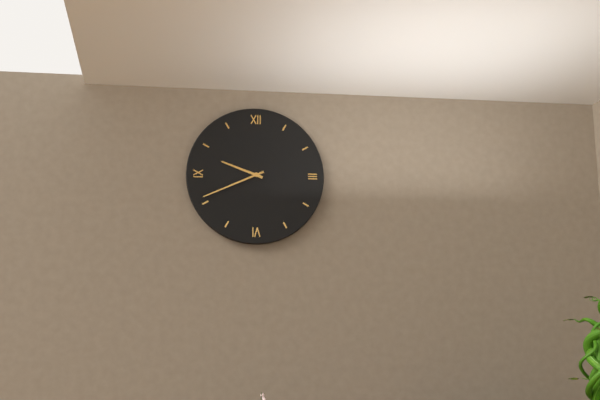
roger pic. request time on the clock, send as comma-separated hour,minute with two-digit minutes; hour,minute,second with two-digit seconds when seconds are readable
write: 9,41
